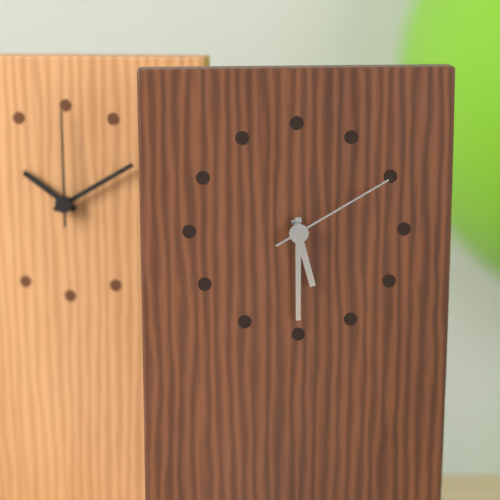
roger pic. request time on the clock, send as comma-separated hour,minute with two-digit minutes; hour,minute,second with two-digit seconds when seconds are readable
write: 5,30,10
